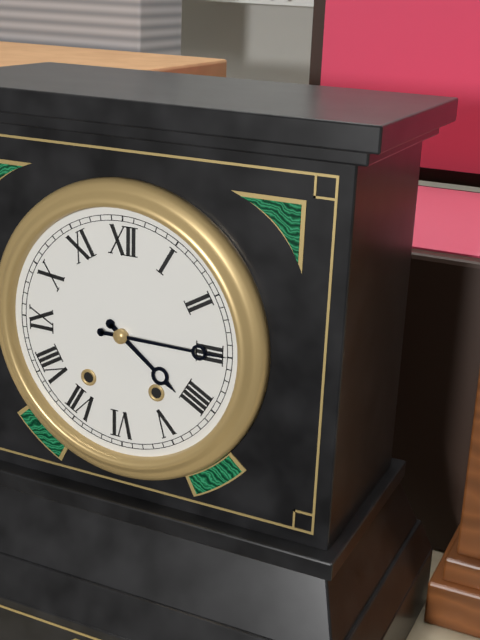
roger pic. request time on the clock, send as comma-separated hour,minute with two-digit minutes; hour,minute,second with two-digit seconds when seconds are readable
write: 4,15
